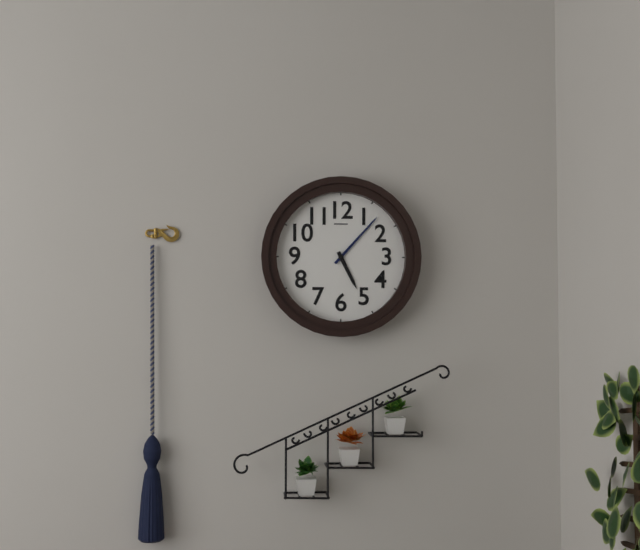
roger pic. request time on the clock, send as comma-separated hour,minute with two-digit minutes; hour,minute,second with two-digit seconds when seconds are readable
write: 5,07
